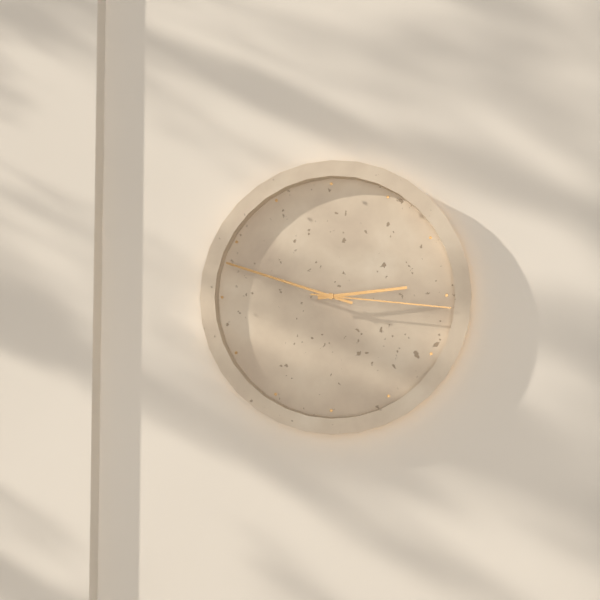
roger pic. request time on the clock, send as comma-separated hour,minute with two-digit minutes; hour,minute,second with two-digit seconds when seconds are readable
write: 2,48,16
